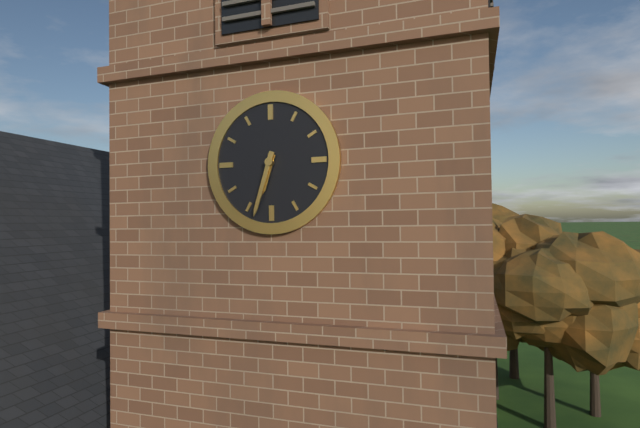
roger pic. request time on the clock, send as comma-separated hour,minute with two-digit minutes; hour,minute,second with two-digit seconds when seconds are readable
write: 6,33
